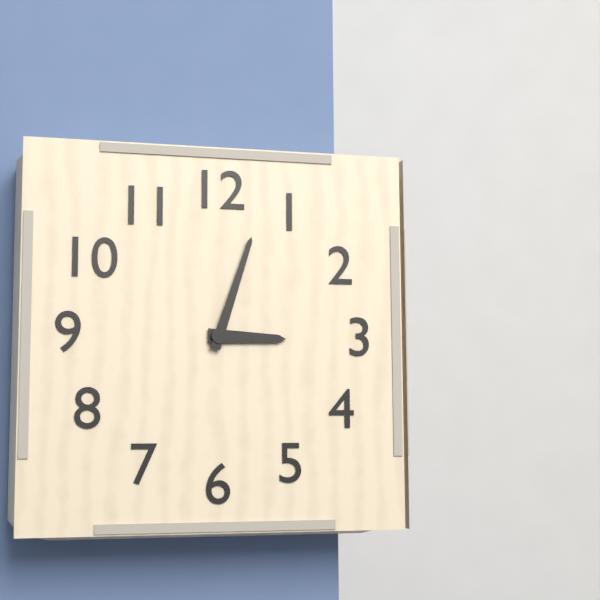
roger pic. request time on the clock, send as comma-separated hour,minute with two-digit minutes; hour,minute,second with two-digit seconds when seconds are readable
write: 3,03
